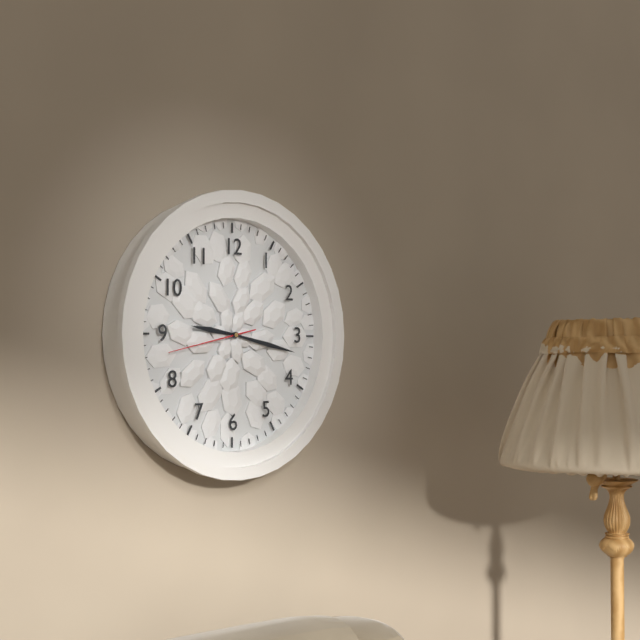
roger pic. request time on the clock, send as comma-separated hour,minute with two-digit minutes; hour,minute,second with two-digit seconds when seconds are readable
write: 9,17,43
